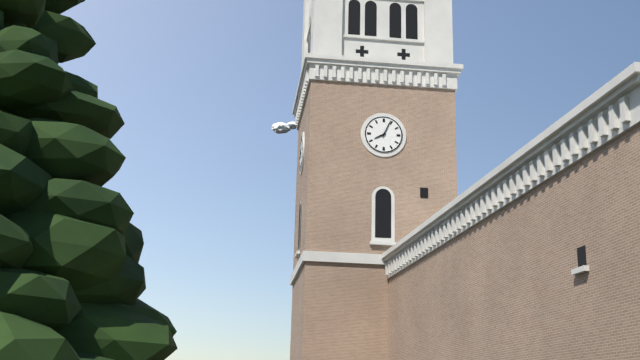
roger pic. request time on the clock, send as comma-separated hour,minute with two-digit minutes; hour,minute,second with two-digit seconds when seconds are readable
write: 8,04
